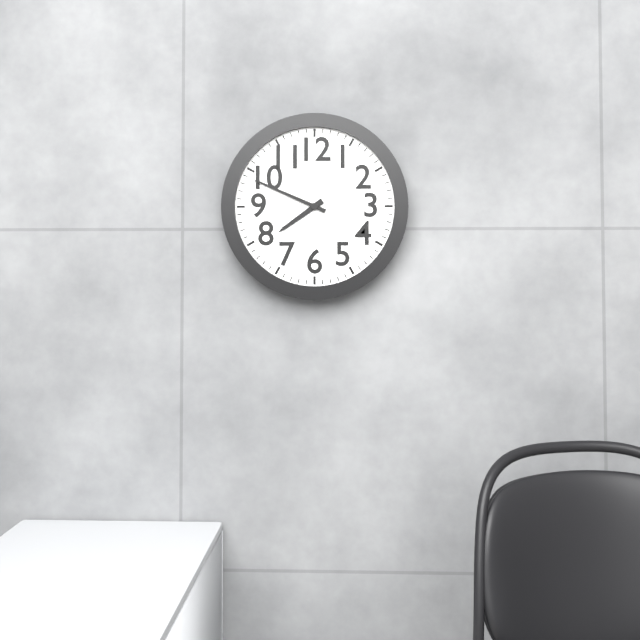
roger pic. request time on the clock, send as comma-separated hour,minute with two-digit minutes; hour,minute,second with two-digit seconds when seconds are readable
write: 7,49
